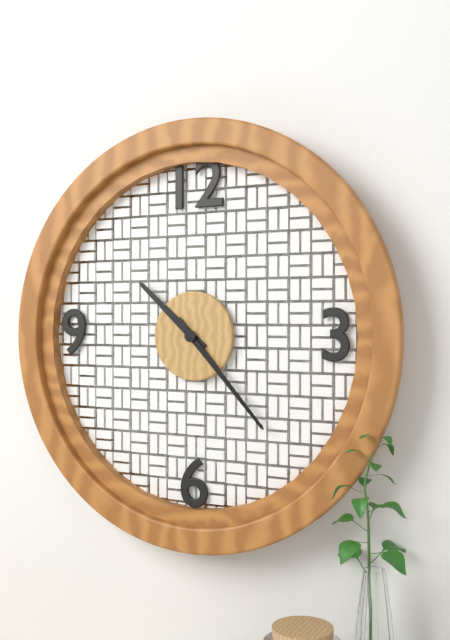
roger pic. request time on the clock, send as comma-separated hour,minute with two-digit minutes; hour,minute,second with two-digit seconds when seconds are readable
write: 10,23
